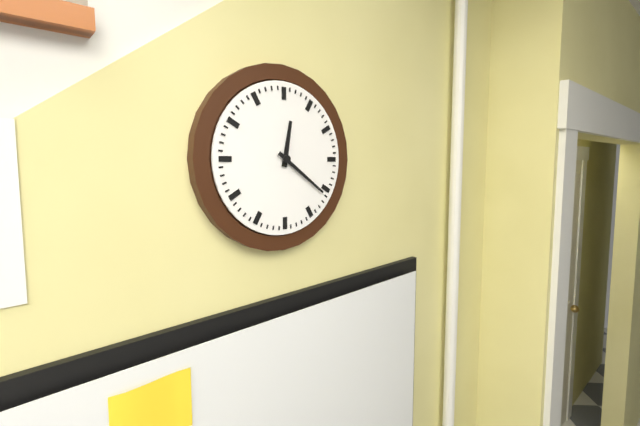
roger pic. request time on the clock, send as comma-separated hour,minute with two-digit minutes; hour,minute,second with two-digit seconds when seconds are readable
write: 12,21
